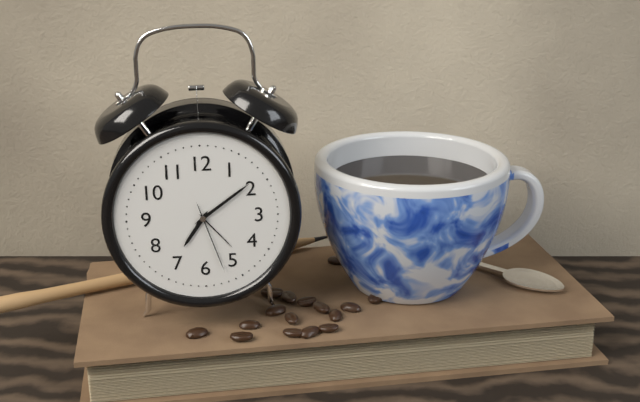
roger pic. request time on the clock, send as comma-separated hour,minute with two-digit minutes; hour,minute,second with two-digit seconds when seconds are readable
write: 7,09,27
